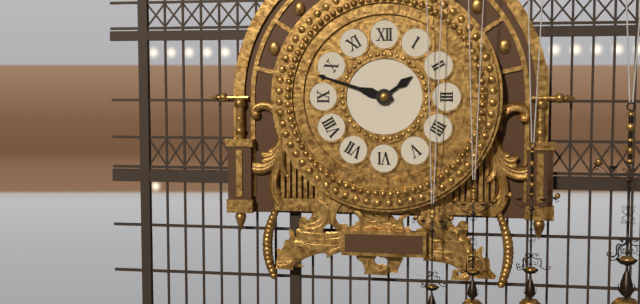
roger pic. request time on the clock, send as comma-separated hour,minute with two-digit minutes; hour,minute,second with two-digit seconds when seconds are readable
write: 1,48
